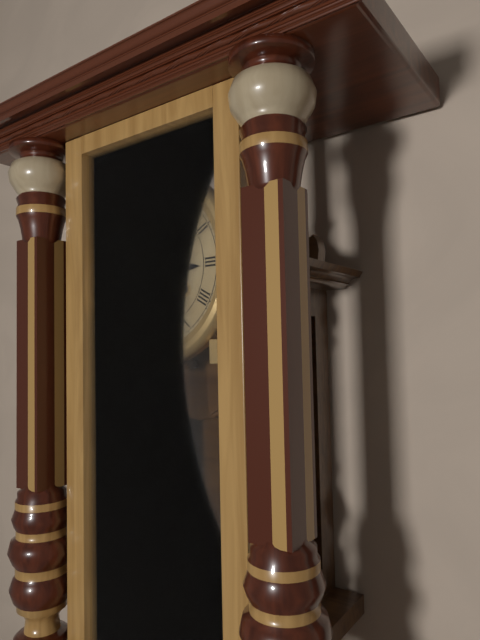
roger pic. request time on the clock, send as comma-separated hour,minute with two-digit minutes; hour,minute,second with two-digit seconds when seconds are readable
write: 3,06
